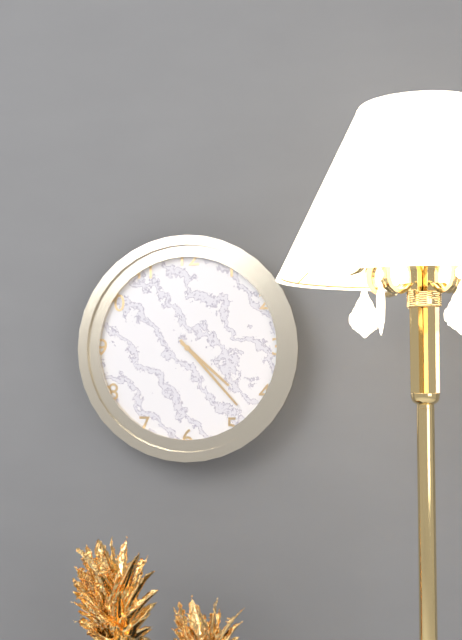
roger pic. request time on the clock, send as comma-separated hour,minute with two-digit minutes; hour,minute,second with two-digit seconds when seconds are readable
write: 4,23
